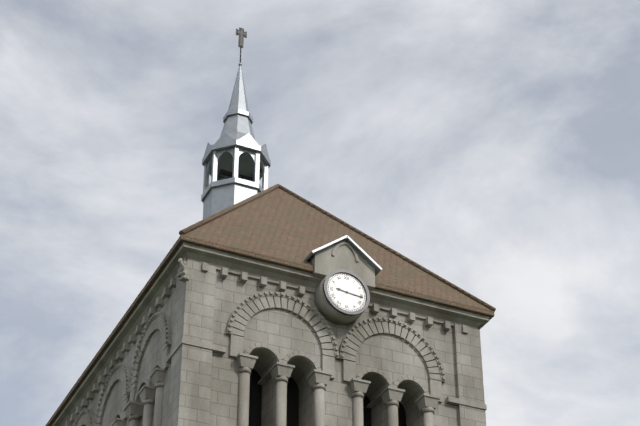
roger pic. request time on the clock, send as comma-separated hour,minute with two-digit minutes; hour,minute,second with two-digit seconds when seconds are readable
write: 9,16
